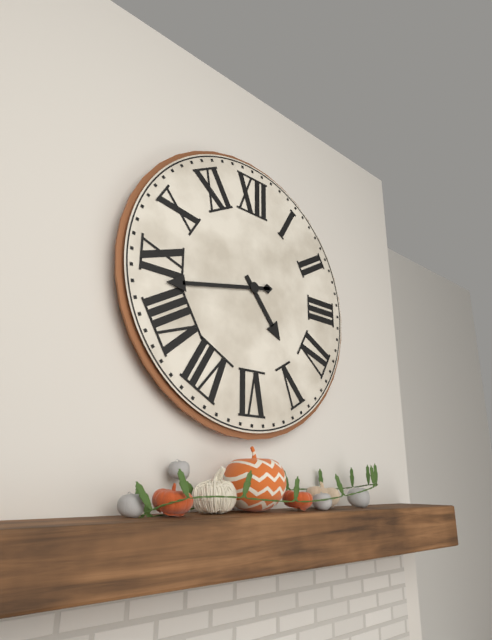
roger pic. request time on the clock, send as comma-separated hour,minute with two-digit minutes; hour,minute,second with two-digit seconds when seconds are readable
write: 4,43
